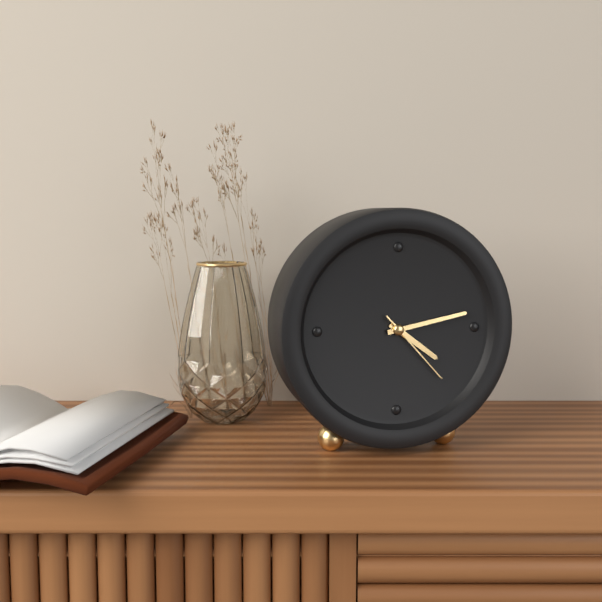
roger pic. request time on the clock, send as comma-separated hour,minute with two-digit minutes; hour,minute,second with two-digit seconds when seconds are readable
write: 4,13,23
